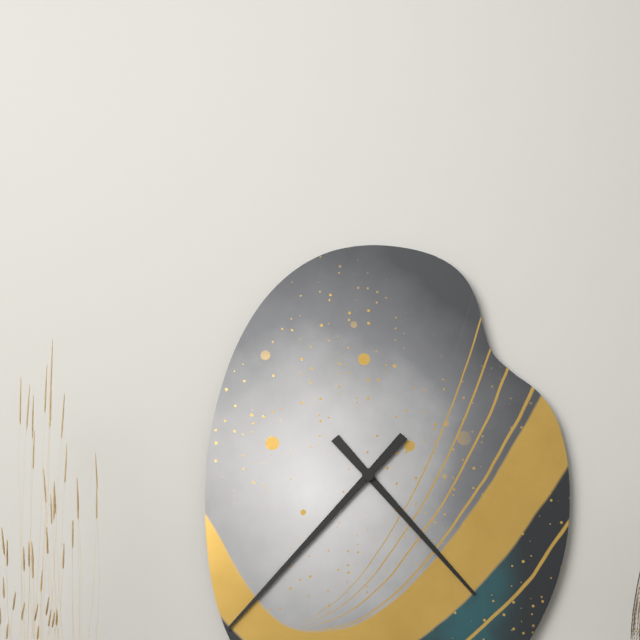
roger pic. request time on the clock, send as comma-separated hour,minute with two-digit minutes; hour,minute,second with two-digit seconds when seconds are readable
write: 4,37
